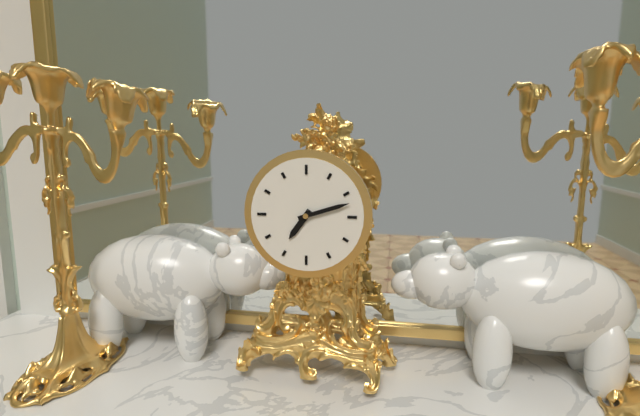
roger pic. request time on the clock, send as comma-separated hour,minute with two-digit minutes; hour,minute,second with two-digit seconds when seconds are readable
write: 7,12
